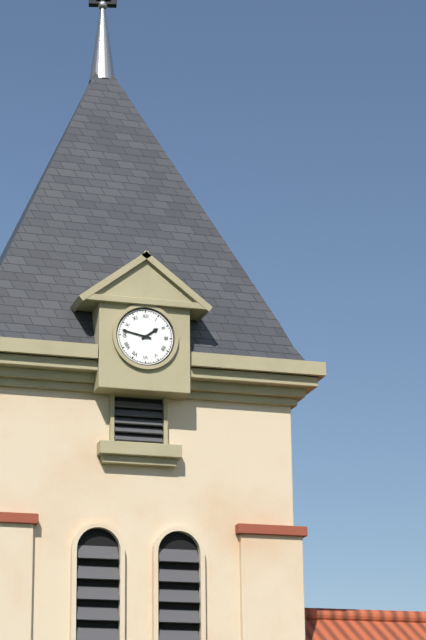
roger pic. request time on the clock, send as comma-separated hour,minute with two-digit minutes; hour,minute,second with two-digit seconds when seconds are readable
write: 1,47
